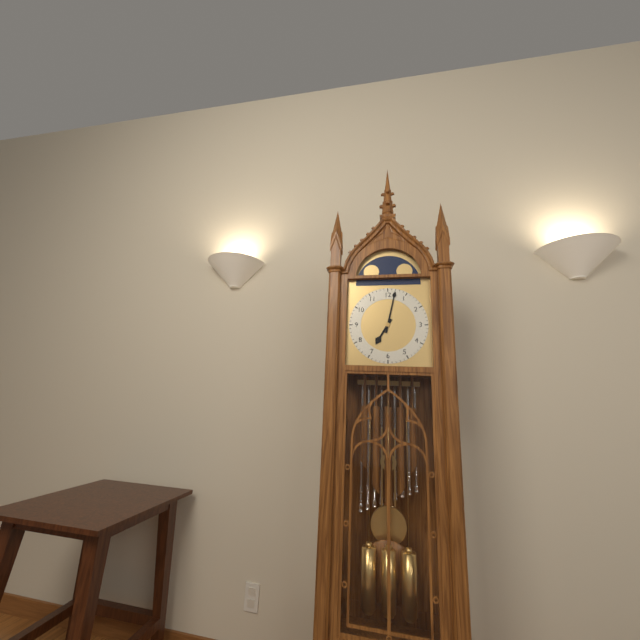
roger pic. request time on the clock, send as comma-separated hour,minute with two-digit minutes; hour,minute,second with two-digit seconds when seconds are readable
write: 7,02
